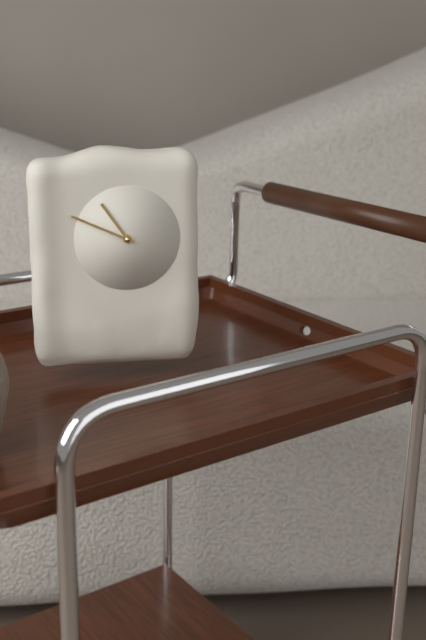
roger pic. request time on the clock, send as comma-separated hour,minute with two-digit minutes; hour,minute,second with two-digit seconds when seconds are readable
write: 10,49
